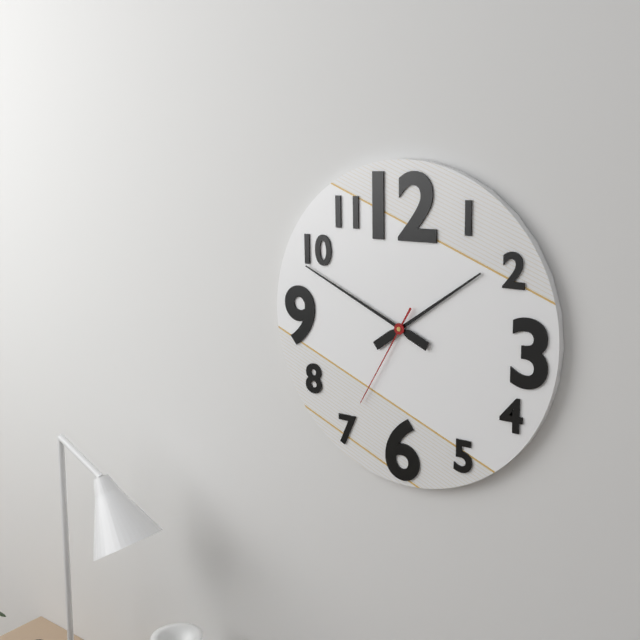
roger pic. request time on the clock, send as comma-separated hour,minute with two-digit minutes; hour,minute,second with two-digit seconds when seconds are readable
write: 1,49,35
